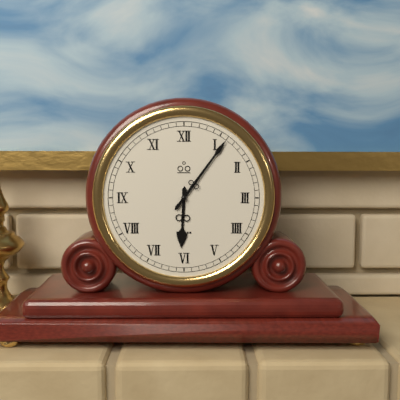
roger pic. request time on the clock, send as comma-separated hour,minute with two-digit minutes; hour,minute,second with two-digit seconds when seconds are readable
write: 6,06
